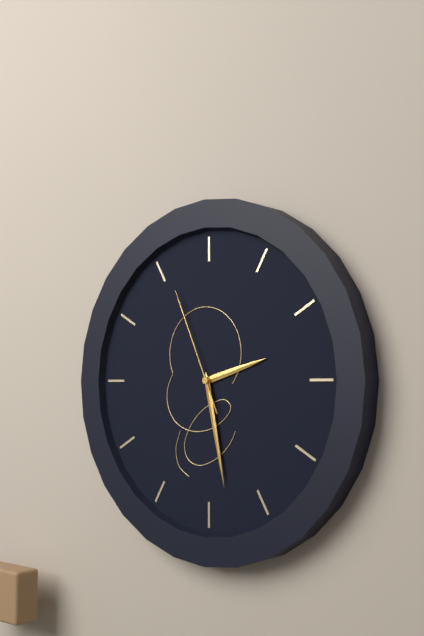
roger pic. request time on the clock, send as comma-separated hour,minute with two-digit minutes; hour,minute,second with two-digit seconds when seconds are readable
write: 2,28,56
